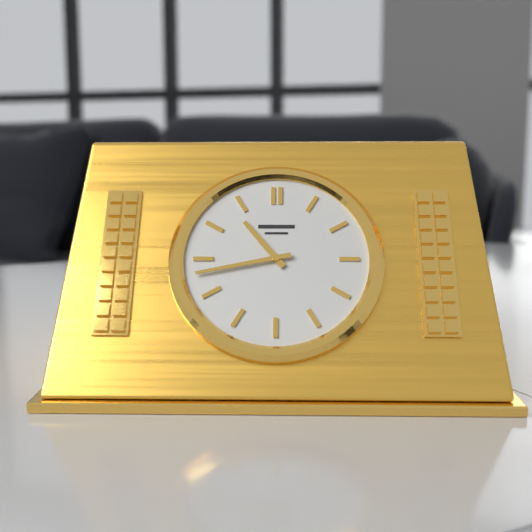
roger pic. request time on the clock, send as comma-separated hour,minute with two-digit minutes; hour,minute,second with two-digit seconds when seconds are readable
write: 10,43
